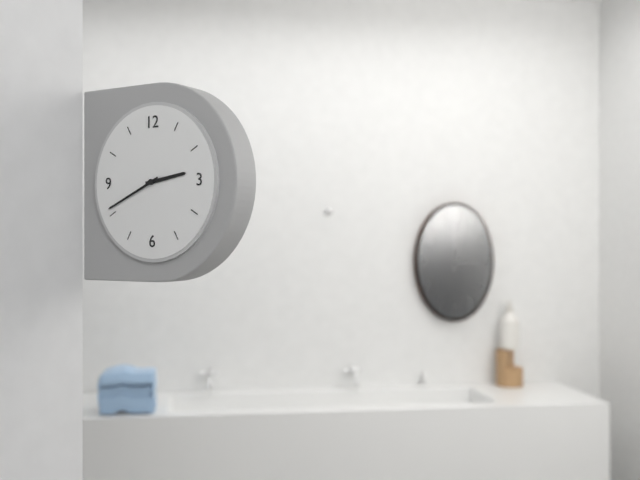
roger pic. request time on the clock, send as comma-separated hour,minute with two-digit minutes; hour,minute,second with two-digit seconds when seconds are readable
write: 2,41
